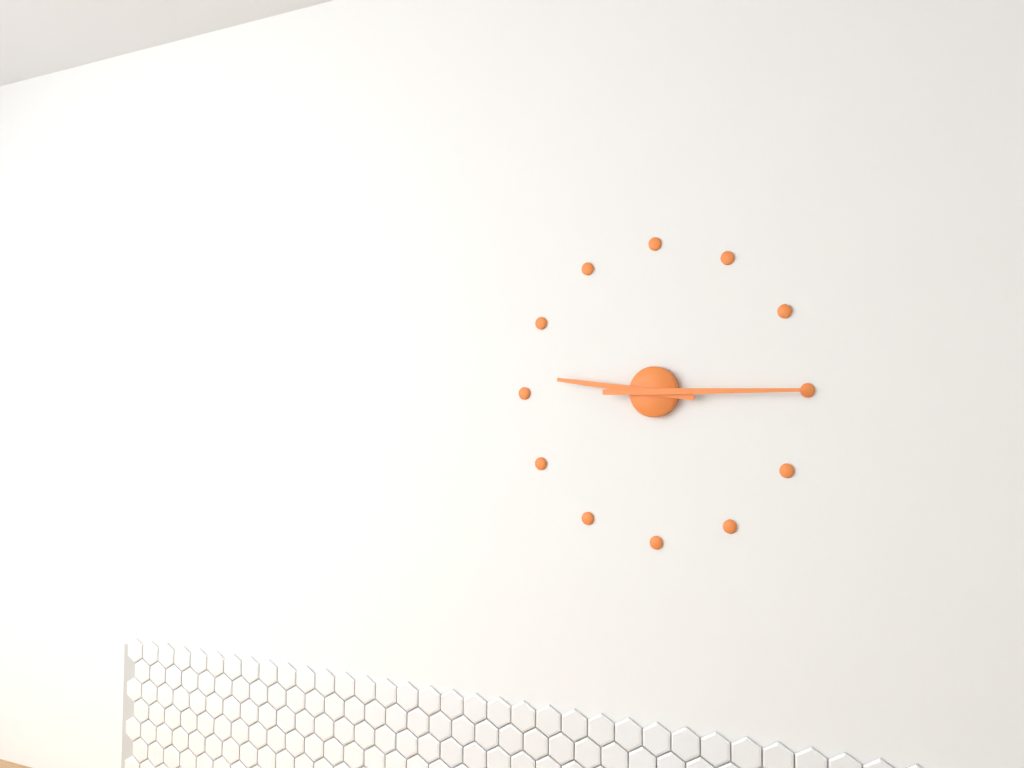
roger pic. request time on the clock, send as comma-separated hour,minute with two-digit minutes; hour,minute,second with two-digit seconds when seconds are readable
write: 9,15
